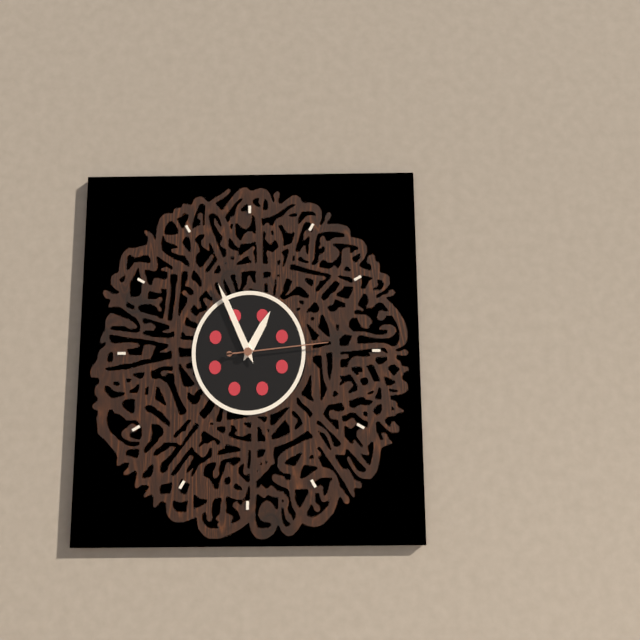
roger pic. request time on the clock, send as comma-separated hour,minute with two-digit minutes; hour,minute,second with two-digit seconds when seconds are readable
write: 12,56,14
